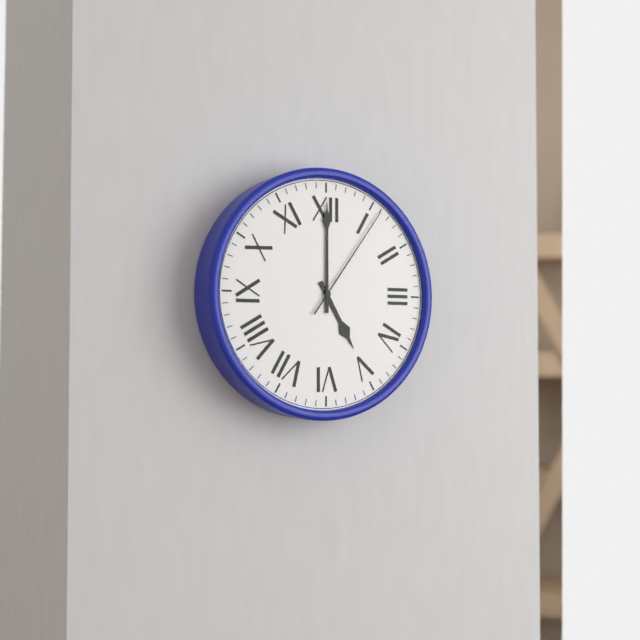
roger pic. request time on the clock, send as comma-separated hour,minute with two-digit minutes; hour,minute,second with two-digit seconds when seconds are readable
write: 5,00,06
